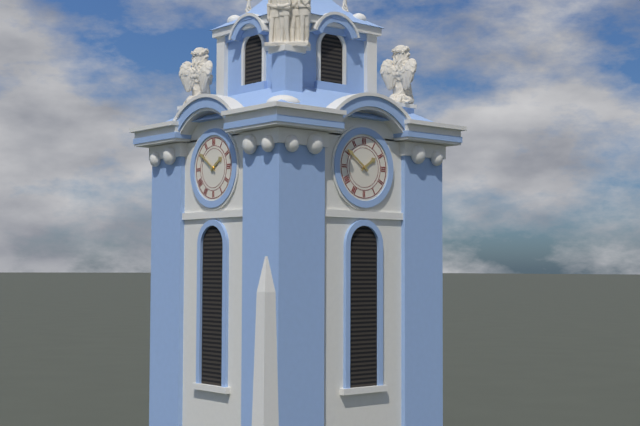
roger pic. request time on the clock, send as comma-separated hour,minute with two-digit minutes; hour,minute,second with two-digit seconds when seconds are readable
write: 1,51
